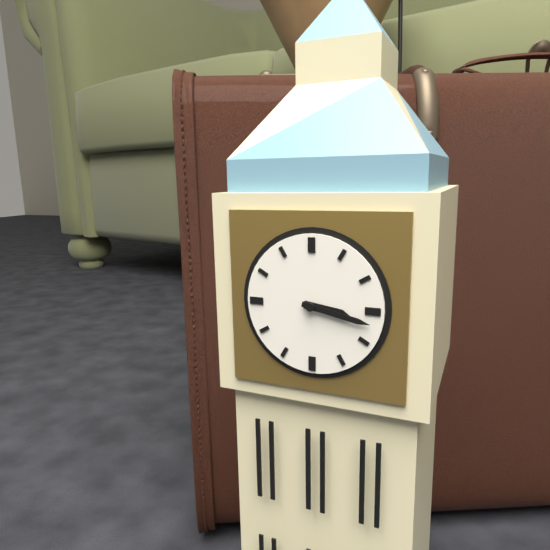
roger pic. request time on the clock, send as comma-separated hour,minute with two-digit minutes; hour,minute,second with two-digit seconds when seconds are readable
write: 3,17
